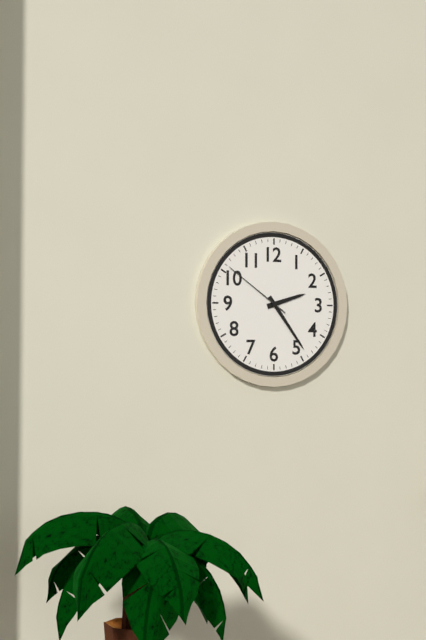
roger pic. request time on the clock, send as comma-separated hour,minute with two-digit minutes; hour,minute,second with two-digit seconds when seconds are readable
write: 2,24,51
